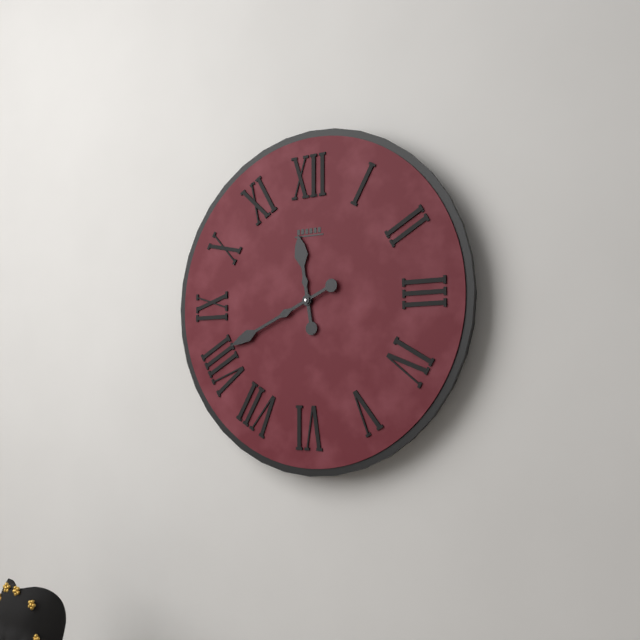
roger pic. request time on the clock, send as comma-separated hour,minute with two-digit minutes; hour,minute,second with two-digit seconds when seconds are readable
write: 11,41
